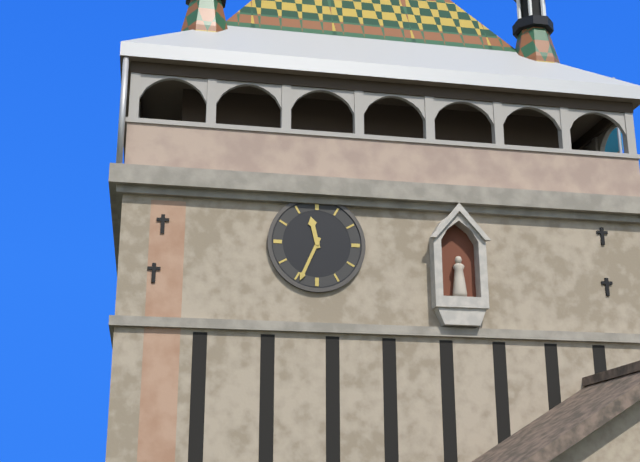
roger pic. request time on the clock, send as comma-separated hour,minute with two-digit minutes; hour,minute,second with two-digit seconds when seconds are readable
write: 11,34
